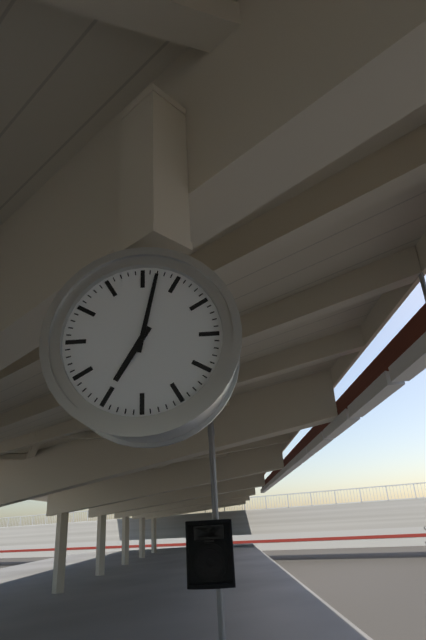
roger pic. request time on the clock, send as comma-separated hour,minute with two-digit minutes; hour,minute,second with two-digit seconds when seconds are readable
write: 7,02
